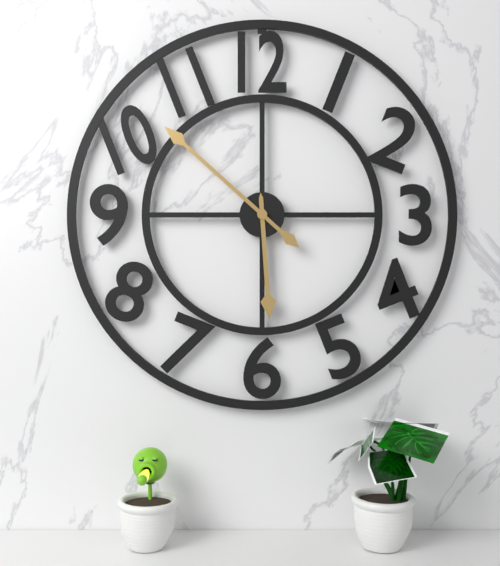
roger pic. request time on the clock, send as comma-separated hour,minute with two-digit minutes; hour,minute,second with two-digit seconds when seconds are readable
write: 5,52
